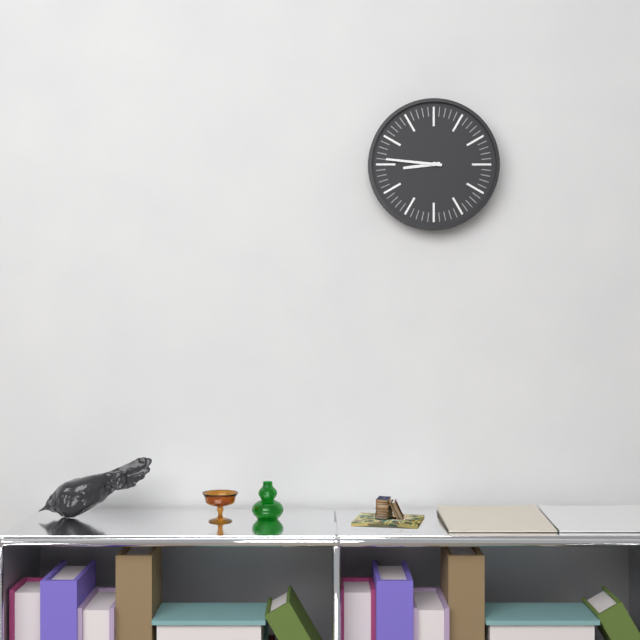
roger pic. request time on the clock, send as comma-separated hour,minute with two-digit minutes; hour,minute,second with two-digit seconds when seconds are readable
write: 8,46
